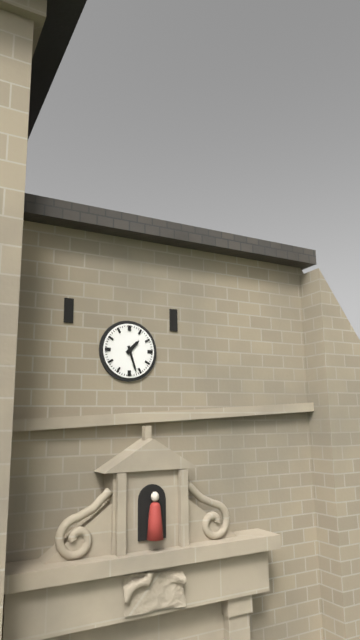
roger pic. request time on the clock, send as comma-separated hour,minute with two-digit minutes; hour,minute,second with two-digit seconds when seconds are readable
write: 1,27
